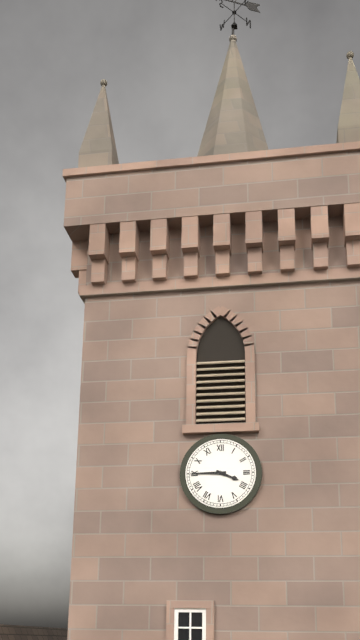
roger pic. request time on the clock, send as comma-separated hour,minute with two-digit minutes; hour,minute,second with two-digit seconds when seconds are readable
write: 3,45
